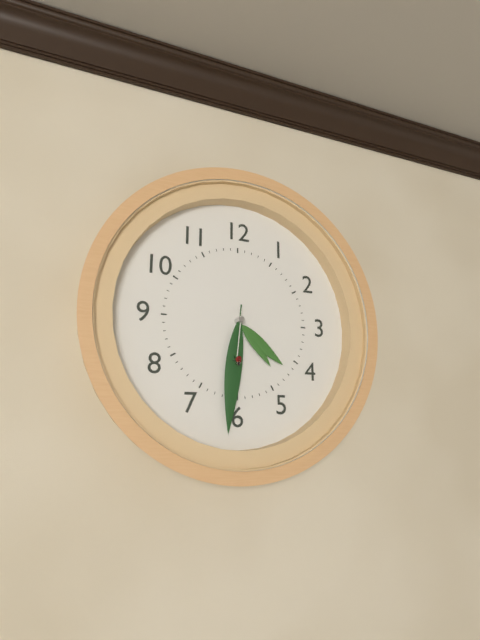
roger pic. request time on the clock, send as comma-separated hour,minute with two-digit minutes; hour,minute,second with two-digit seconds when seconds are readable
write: 4,31,31
